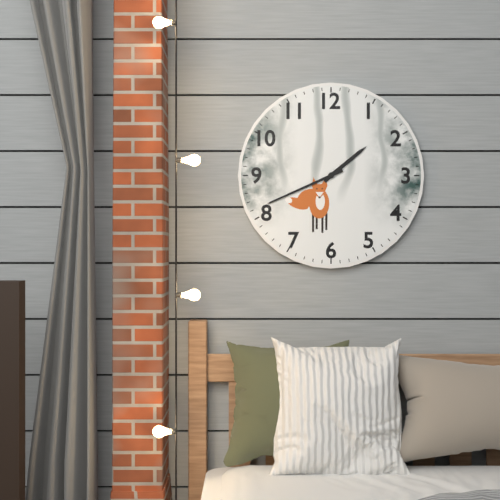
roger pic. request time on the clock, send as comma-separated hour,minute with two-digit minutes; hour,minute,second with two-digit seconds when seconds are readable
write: 1,41
